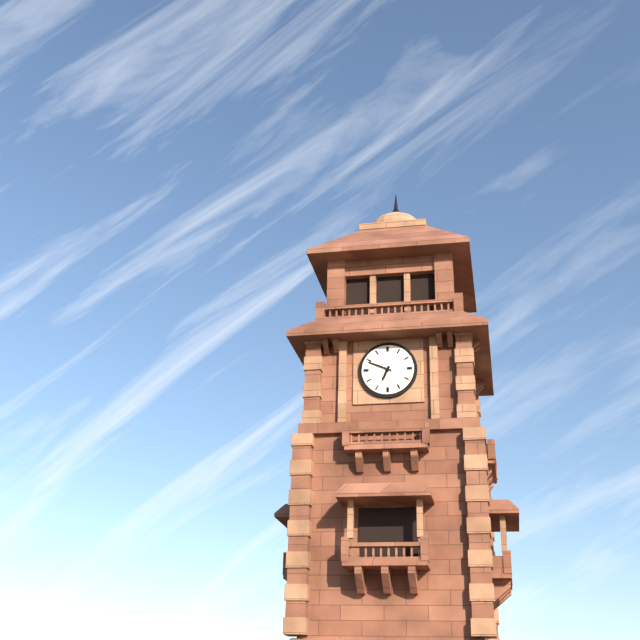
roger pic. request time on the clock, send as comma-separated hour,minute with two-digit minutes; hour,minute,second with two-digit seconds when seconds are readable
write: 6,49
